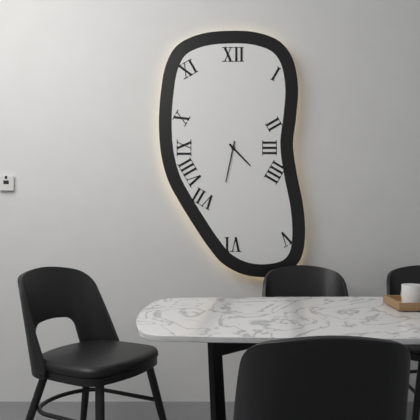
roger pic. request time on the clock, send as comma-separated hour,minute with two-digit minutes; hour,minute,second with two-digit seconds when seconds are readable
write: 4,32
